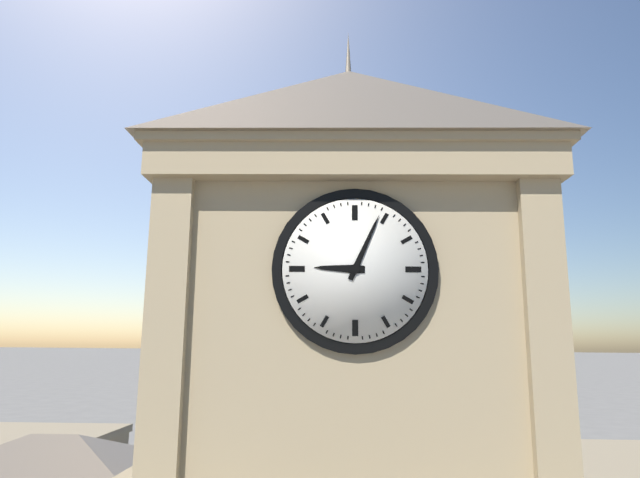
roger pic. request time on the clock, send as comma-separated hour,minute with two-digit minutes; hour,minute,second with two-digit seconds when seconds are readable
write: 9,04
